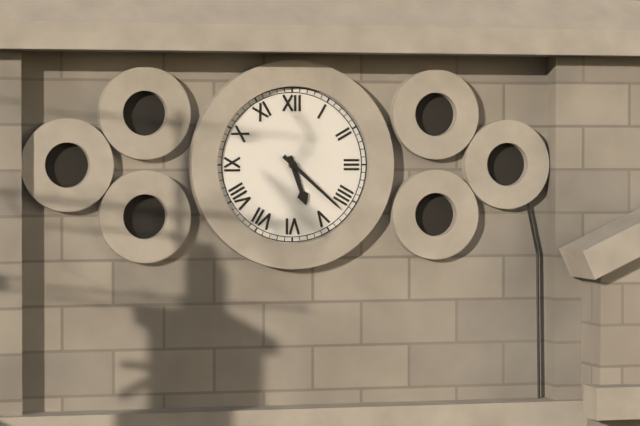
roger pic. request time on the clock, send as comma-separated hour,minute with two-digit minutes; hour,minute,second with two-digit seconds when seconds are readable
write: 5,22
